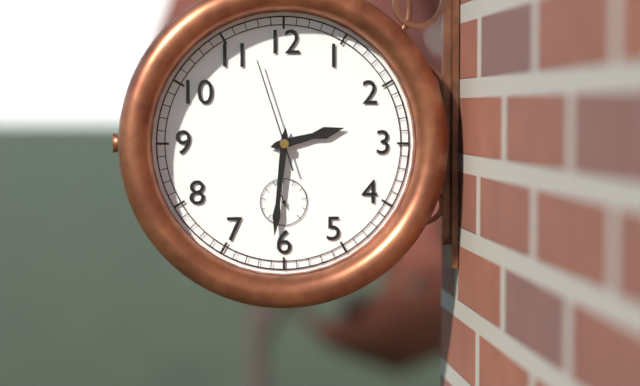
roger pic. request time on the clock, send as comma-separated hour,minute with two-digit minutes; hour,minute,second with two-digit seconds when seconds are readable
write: 2,31,57
